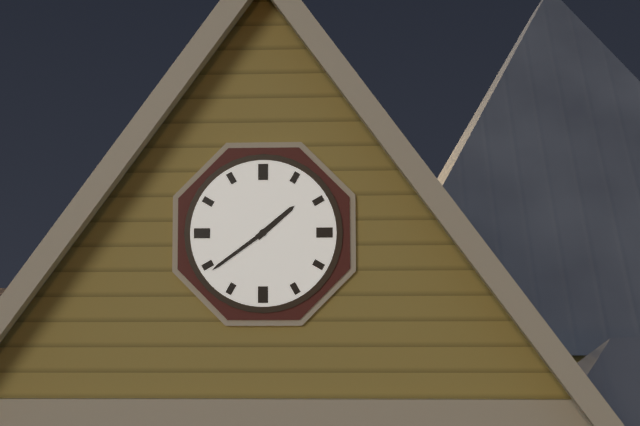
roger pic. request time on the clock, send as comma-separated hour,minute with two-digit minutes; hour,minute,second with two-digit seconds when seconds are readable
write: 1,39
